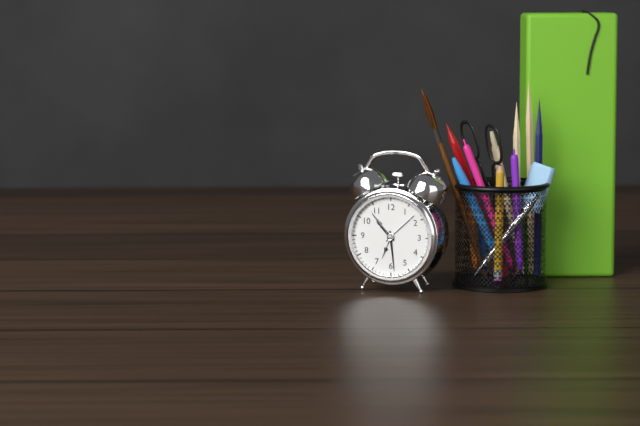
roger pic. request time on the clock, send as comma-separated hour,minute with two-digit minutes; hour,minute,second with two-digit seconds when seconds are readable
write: 10,29
